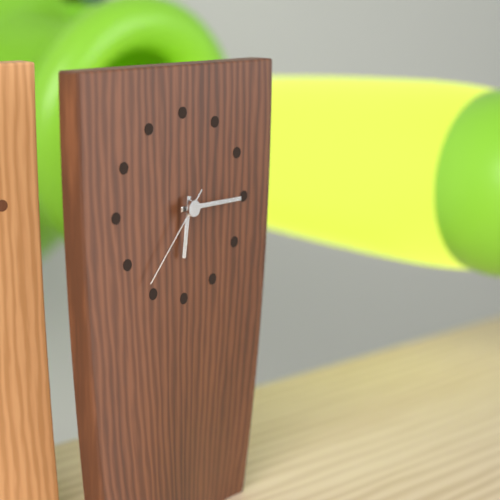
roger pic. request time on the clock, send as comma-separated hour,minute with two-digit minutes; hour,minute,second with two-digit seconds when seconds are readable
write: 6,15,37
